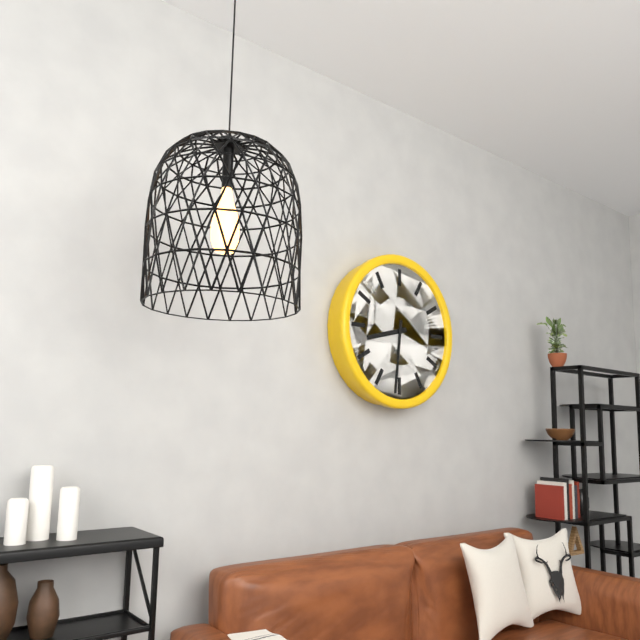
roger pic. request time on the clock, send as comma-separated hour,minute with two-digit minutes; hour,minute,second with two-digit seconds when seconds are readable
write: 8,31
